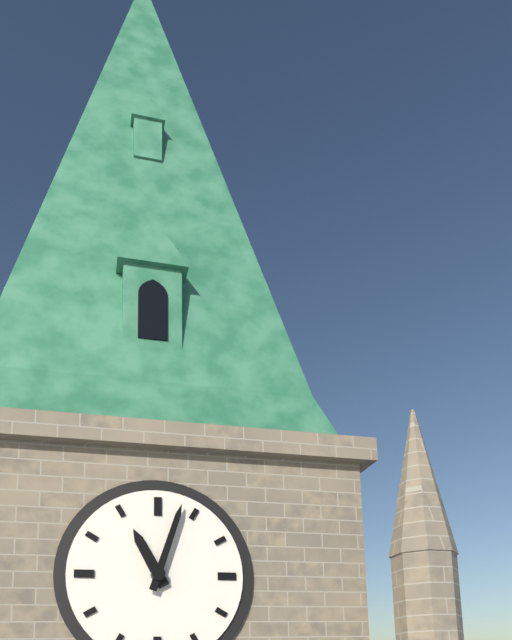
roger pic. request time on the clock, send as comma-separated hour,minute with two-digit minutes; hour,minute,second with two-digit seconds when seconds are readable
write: 11,03
